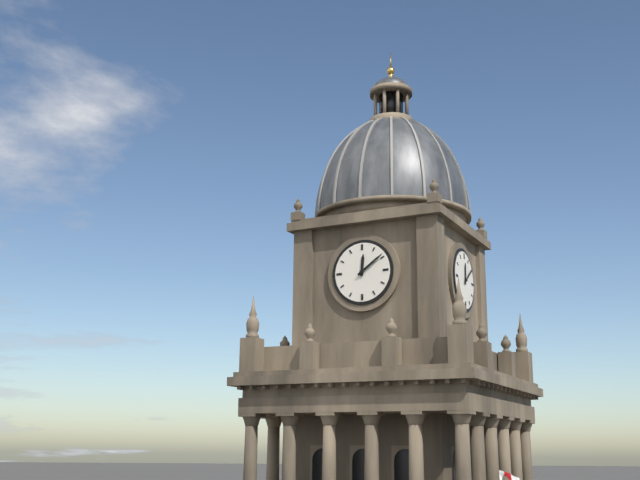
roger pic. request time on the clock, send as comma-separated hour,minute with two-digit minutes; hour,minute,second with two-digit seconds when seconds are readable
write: 12,09
